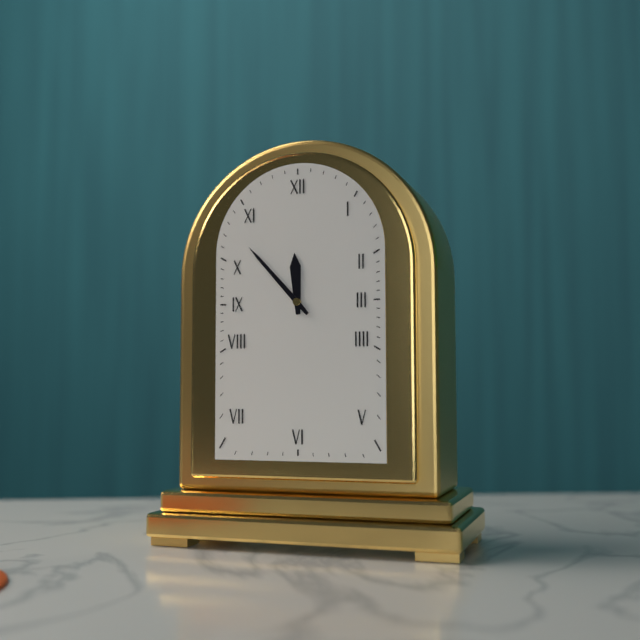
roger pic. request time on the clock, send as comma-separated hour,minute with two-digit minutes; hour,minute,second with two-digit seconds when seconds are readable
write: 11,53
